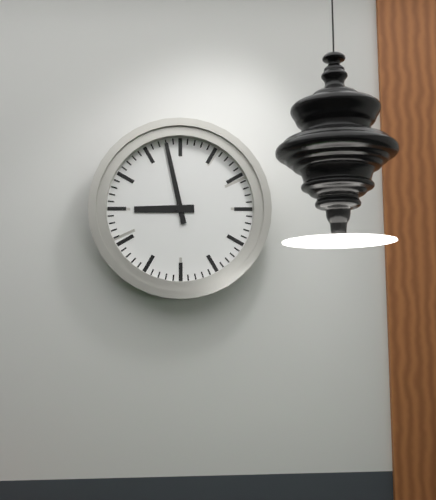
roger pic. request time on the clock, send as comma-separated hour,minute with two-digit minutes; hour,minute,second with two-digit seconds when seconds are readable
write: 8,58
